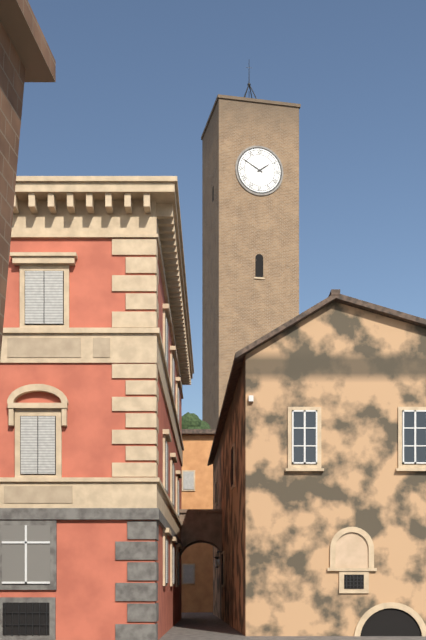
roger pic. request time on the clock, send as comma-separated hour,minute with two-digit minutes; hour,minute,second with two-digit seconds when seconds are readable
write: 1,50
